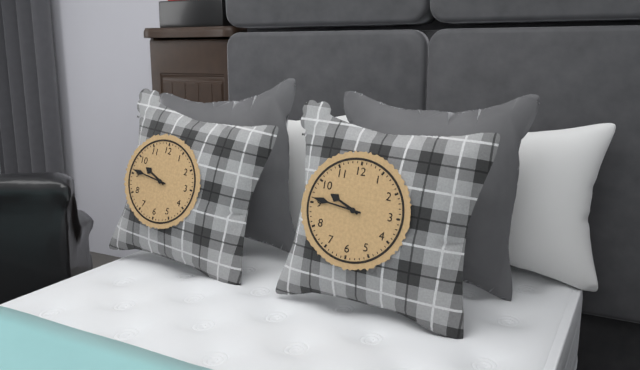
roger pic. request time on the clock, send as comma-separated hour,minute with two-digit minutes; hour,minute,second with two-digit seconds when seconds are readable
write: 9,46
